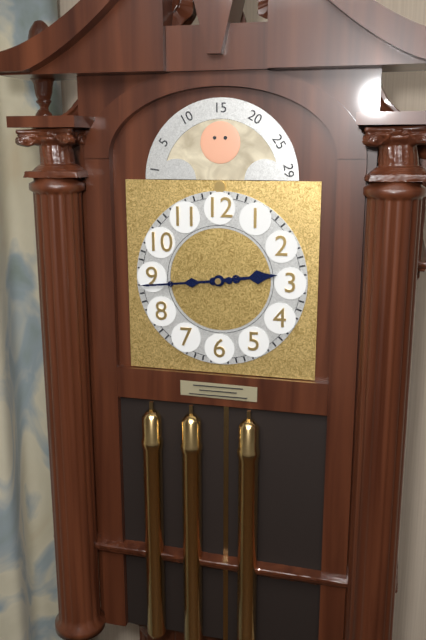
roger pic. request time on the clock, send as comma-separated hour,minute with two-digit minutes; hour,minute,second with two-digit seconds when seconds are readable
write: 2,44
